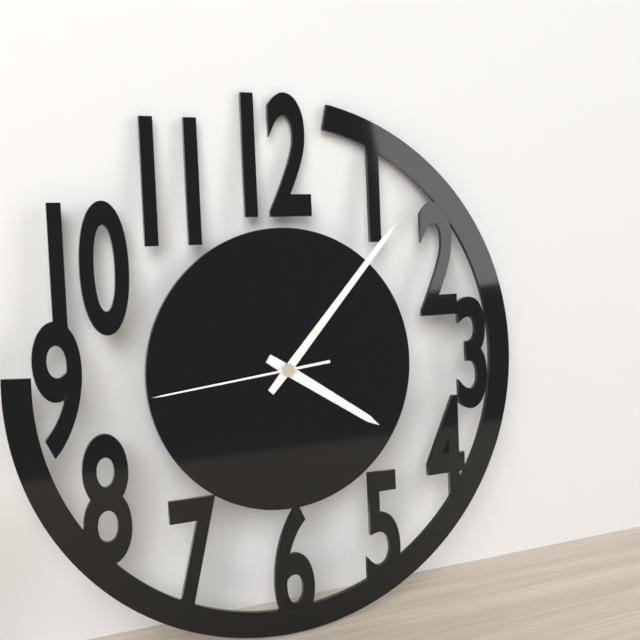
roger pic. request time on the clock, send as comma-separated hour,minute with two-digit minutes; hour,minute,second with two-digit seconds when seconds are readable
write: 4,07,44
